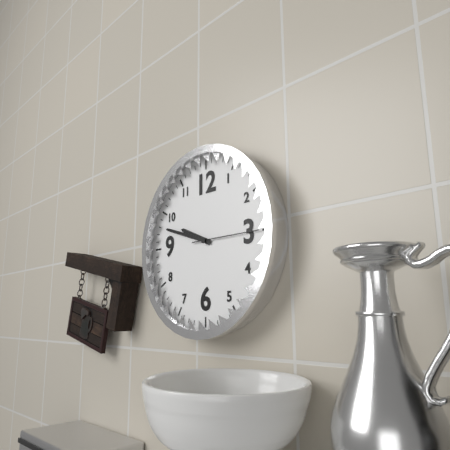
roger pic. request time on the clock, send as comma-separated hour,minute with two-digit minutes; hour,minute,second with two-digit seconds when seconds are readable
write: 9,48,15
